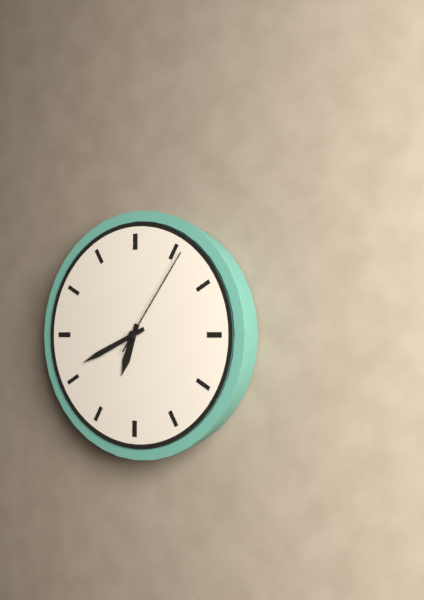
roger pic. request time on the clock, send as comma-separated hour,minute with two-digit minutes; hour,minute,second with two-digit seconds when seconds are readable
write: 6,41,06
